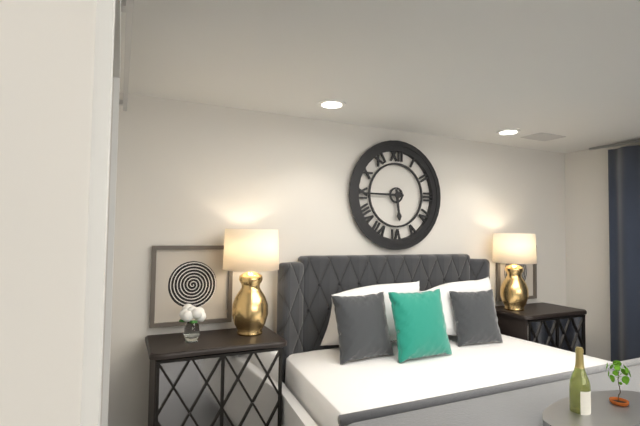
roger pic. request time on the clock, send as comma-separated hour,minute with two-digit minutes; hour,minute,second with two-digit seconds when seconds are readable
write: 5,45
